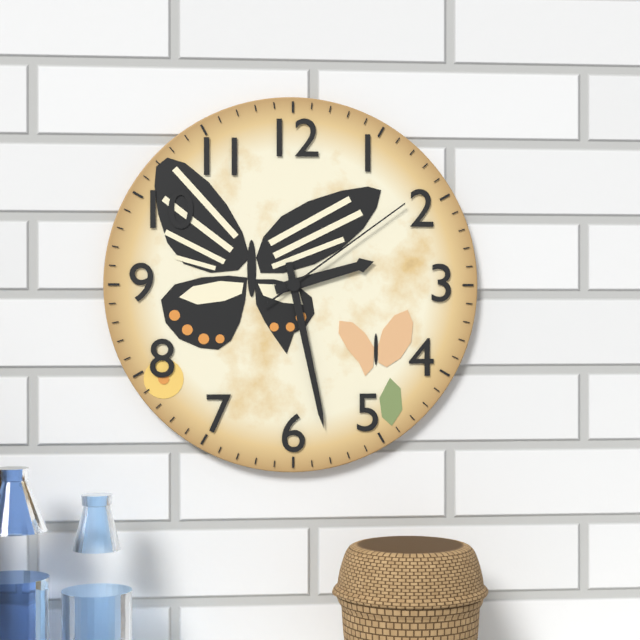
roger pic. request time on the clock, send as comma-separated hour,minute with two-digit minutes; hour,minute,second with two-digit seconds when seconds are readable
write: 2,28,09
